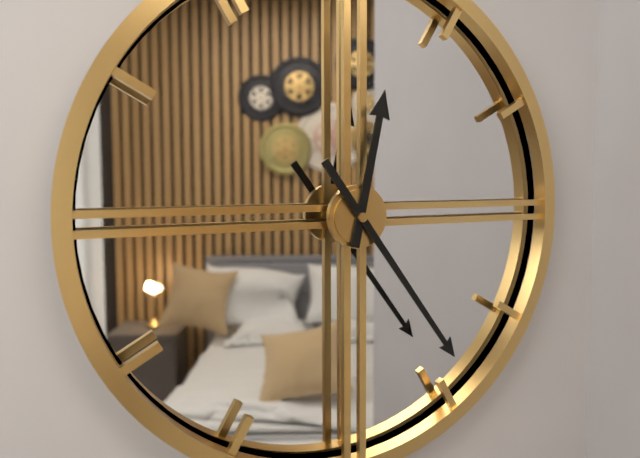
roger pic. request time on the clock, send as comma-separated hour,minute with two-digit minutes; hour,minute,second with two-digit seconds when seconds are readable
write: 12,24
